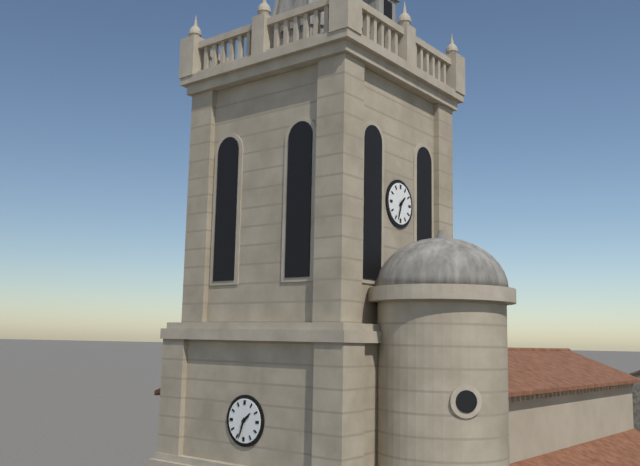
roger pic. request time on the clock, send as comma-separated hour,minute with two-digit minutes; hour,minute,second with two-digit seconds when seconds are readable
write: 1,33
